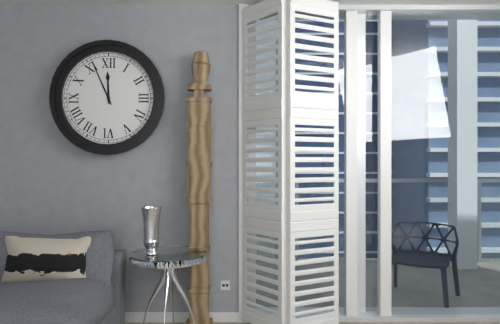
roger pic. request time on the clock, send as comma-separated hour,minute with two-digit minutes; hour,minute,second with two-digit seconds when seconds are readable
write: 11,56
